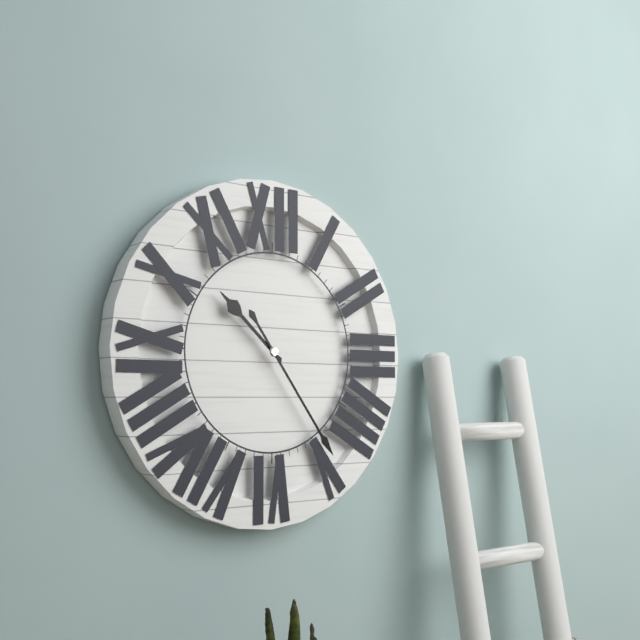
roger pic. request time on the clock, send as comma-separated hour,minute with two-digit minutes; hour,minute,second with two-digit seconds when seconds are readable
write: 10,24
